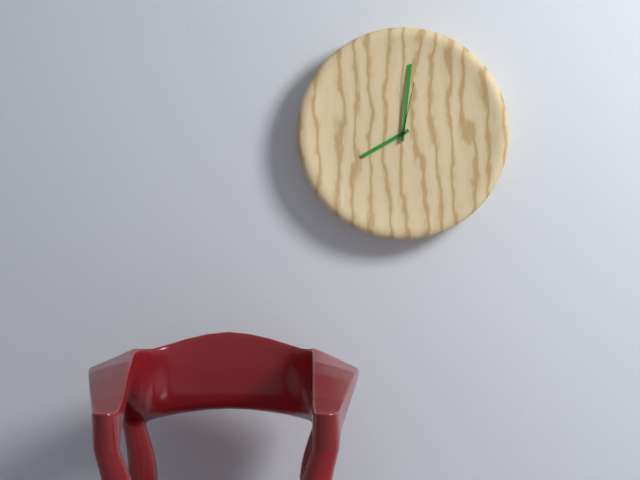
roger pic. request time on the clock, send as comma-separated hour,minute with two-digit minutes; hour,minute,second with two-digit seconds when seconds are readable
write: 8,01,02
